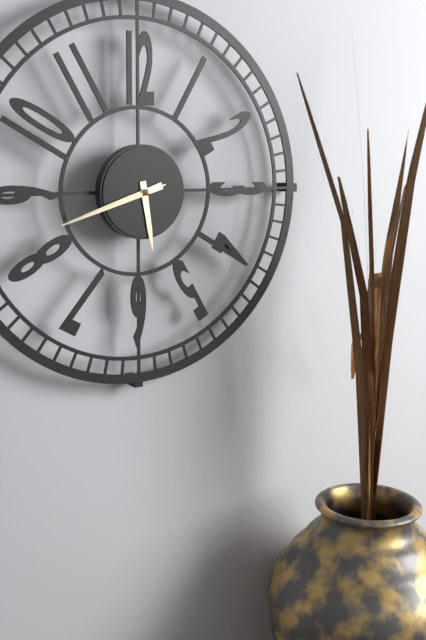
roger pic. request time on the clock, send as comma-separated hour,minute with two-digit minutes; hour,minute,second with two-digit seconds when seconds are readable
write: 5,42,42
